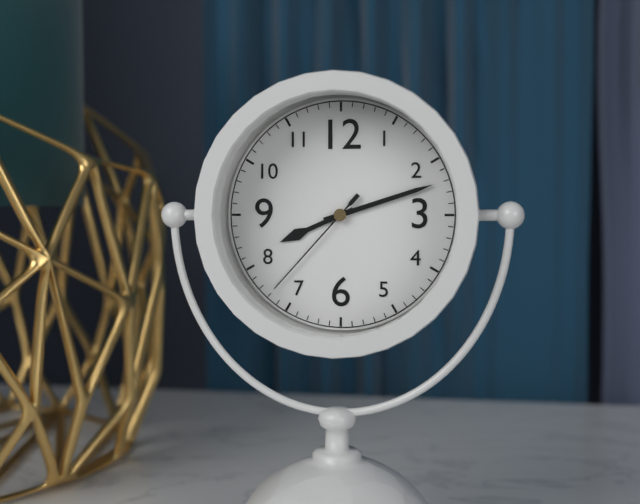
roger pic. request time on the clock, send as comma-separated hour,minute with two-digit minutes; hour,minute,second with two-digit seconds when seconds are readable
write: 8,12,37
